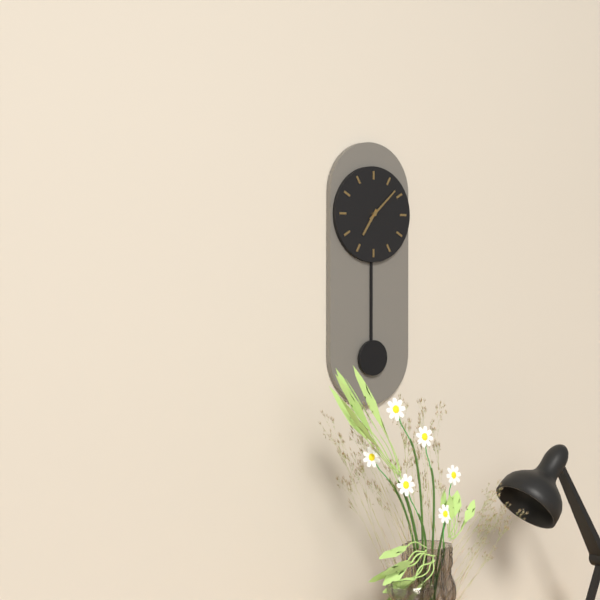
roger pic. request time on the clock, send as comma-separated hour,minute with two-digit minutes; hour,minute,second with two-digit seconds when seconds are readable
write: 7,08
